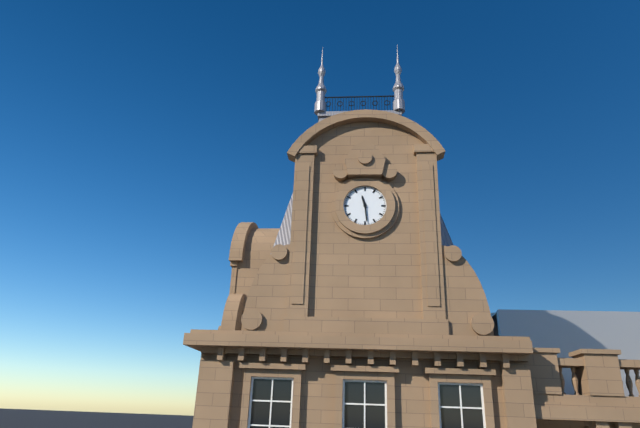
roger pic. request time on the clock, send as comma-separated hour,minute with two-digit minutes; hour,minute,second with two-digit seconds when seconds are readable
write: 11,29
